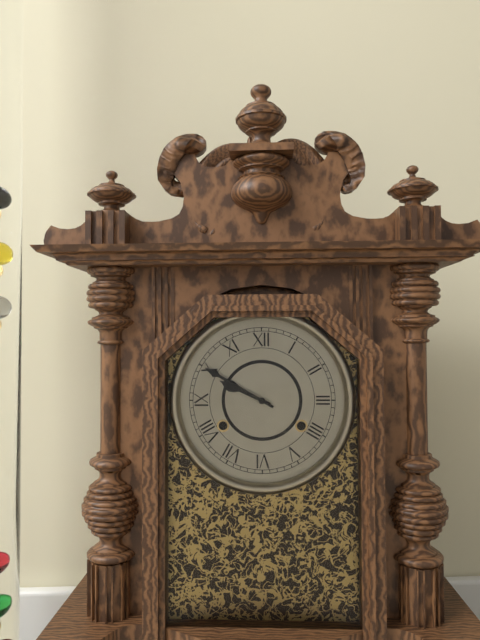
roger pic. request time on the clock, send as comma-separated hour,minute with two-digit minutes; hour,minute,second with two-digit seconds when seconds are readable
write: 9,50
